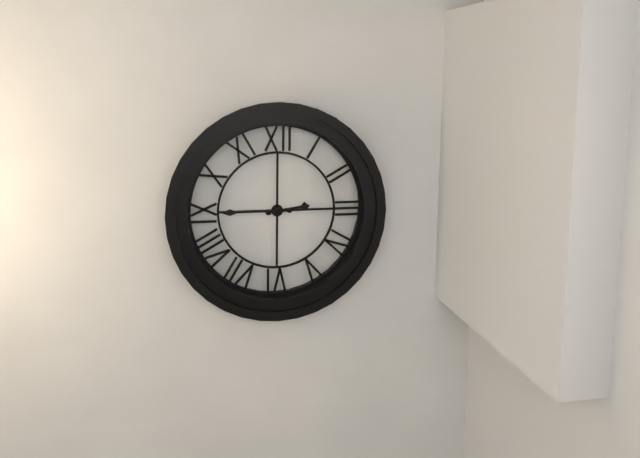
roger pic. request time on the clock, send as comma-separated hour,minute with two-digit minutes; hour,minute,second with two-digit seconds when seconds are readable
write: 2,45
